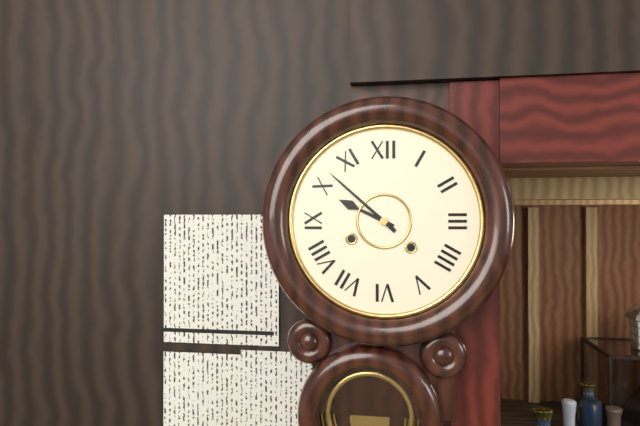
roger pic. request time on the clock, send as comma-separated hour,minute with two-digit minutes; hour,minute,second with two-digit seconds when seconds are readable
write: 9,52
